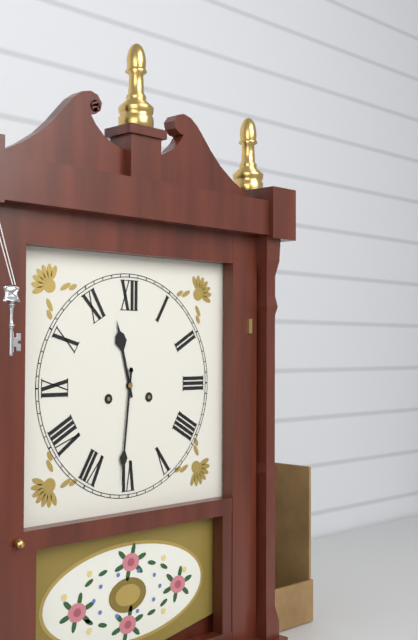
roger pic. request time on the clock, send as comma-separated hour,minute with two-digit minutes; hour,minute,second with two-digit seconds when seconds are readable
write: 11,31
